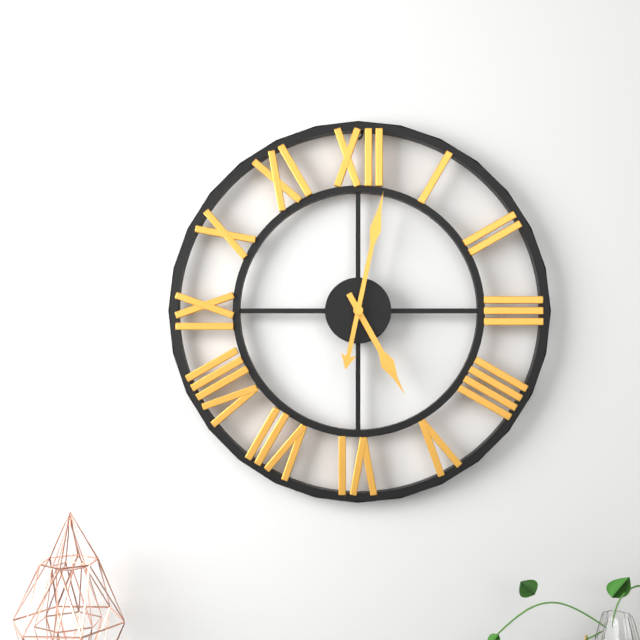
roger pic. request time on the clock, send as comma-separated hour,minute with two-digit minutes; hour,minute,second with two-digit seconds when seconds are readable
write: 5,02
